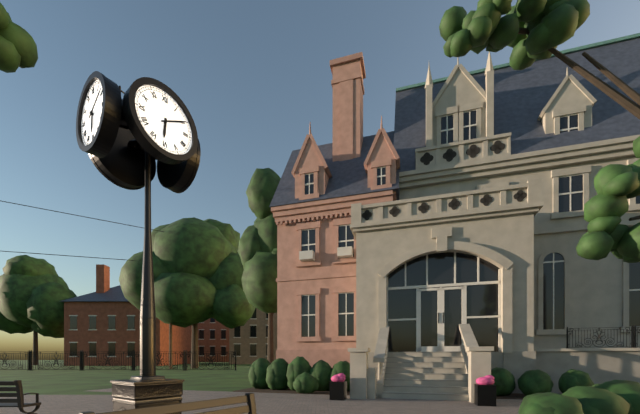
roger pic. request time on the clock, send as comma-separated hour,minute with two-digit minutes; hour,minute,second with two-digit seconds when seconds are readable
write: 6,10
